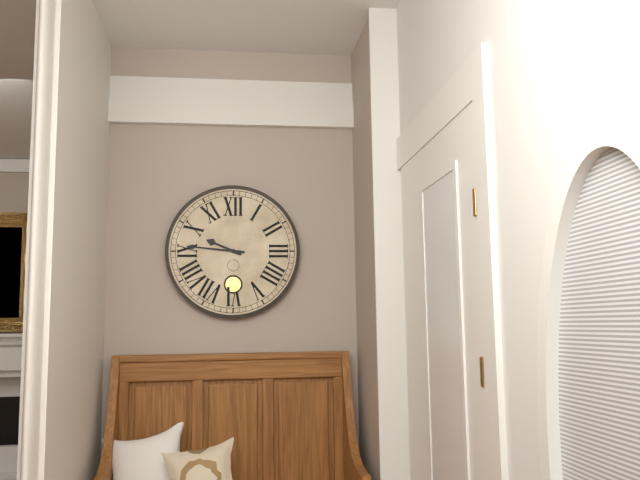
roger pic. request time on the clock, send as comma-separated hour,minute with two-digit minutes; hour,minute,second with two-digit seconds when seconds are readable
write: 9,46
